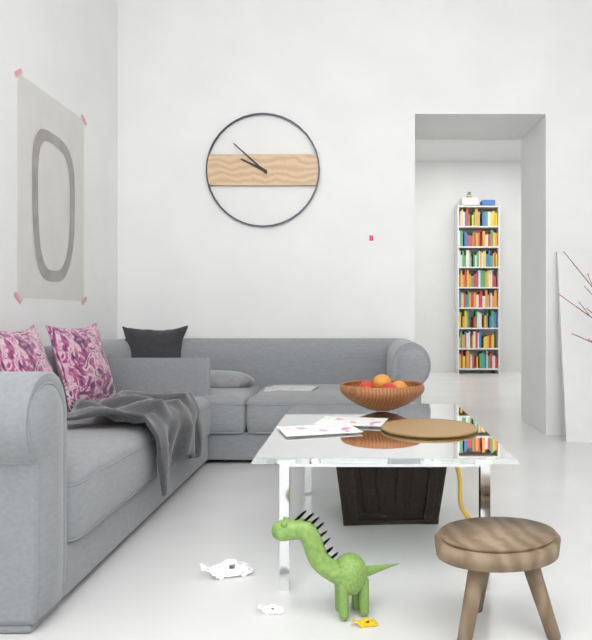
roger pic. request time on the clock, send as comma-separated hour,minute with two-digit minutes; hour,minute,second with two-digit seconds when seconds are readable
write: 9,52
